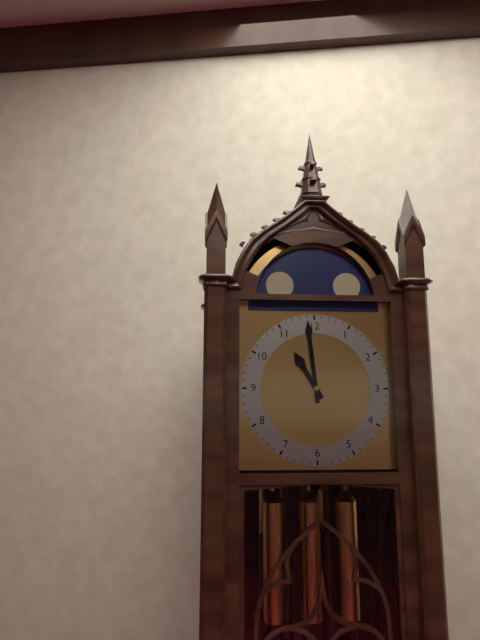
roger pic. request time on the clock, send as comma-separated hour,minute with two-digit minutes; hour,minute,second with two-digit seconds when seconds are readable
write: 10,59
